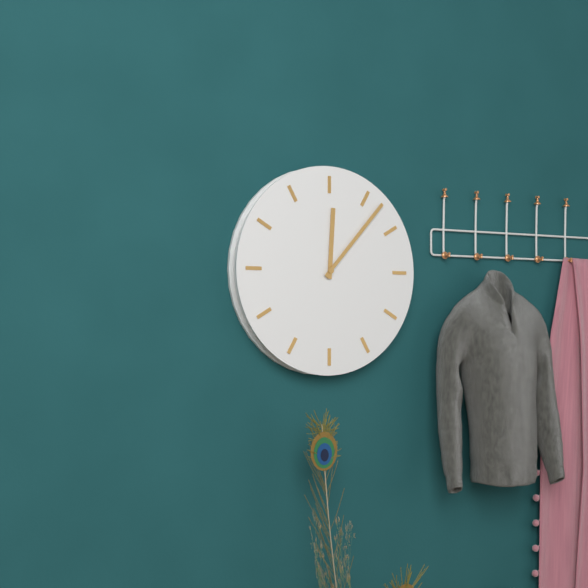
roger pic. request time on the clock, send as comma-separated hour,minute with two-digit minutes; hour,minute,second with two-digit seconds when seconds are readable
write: 12,07
